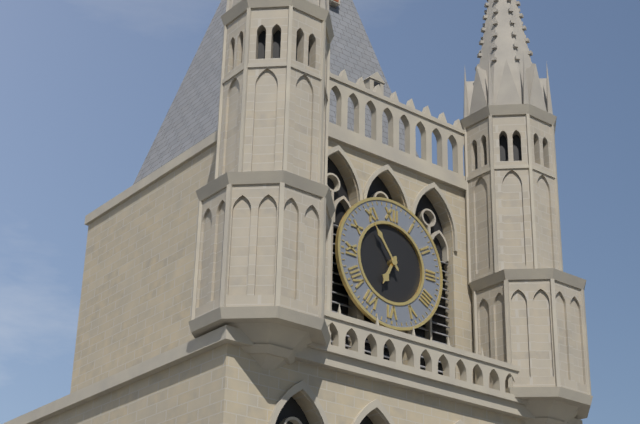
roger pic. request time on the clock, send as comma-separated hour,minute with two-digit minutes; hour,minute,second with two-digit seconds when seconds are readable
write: 6,54
